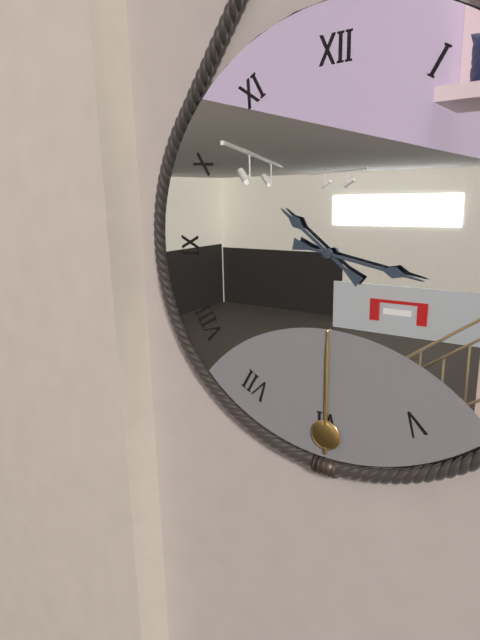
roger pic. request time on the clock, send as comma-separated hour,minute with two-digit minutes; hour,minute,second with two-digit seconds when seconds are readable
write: 10,17
